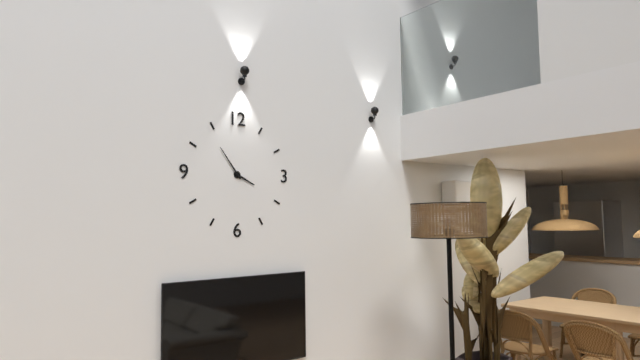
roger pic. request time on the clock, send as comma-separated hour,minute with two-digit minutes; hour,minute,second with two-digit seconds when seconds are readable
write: 3,54
